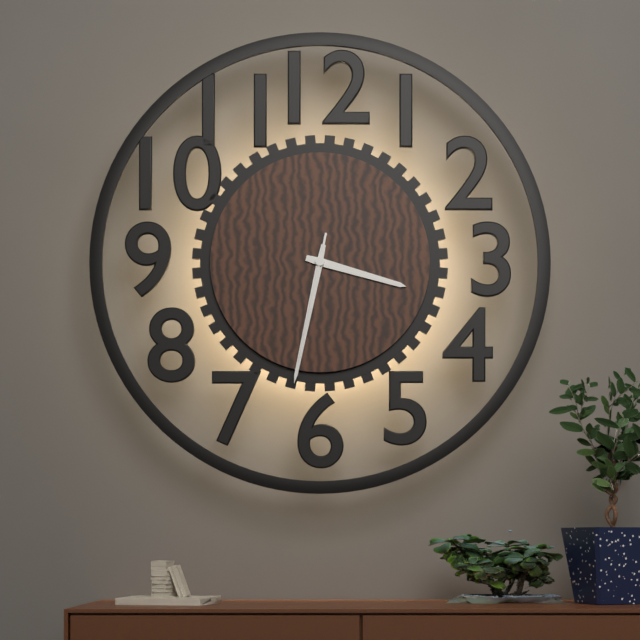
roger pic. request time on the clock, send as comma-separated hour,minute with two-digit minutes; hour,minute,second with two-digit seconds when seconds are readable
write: 3,32,32
